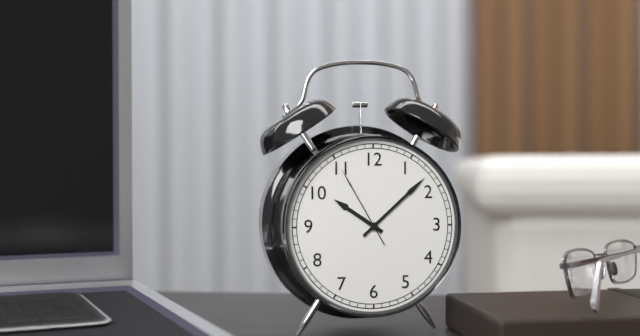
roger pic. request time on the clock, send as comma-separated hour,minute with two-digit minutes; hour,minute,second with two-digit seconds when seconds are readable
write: 10,08,55
